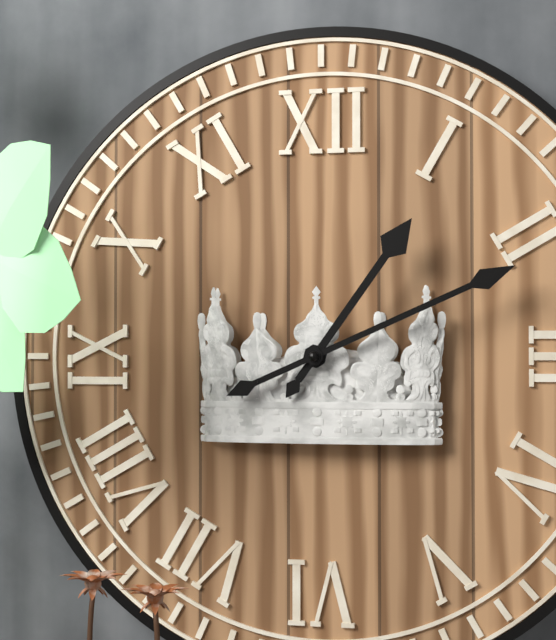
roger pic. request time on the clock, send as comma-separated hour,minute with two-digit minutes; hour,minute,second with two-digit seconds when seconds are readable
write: 1,11
